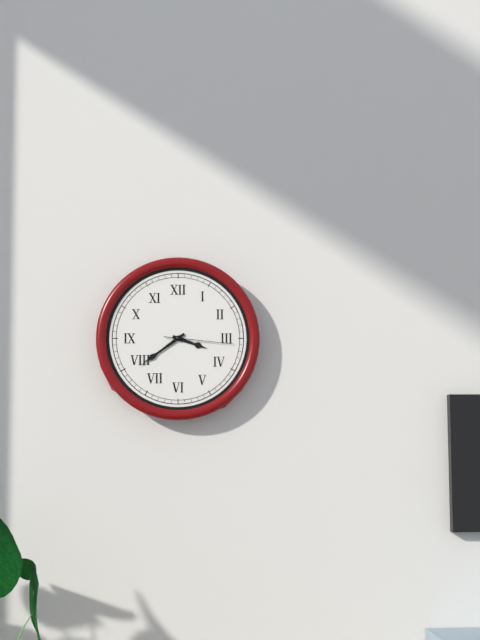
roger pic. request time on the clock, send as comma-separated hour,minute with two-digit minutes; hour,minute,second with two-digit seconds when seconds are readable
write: 3,39,16
